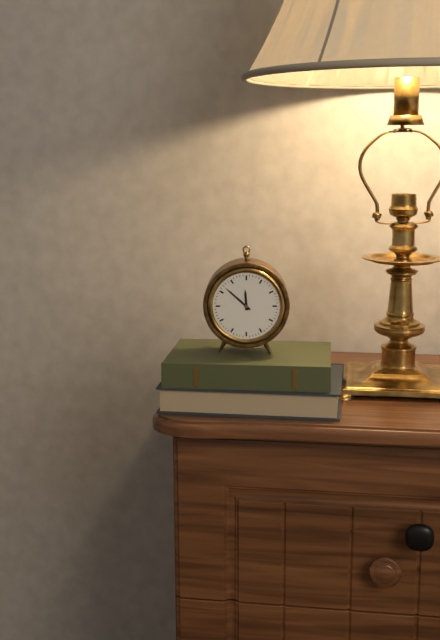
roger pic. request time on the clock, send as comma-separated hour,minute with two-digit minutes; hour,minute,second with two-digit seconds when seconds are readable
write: 11,52
